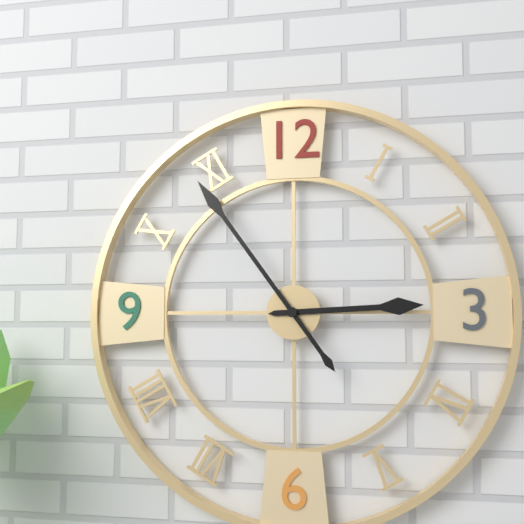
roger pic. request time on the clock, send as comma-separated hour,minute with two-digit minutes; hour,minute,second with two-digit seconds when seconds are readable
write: 2,54
